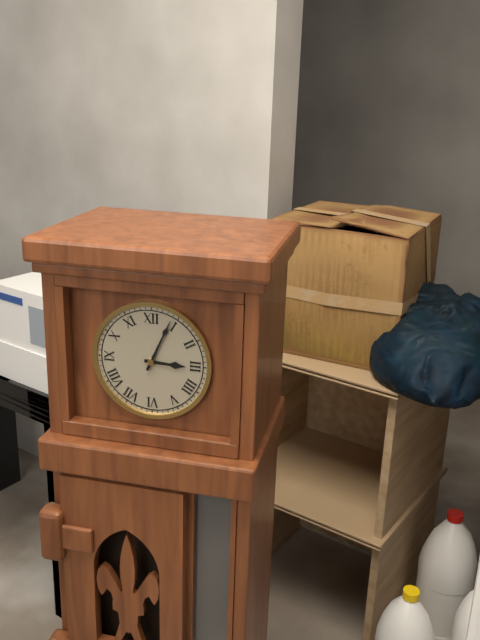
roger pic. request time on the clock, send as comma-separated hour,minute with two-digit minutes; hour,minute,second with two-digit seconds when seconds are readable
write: 3,04
